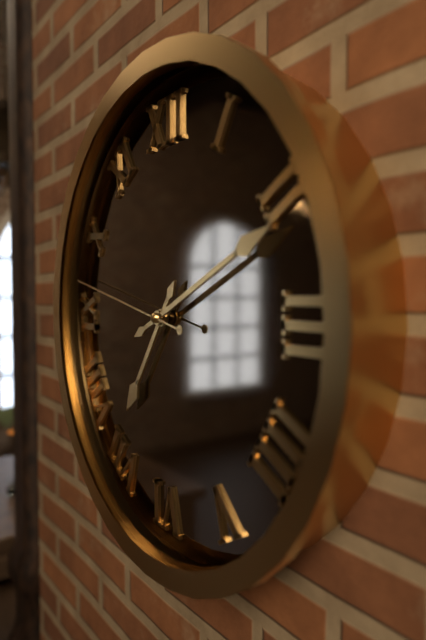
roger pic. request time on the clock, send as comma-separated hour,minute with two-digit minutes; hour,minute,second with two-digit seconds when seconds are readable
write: 7,11,47
